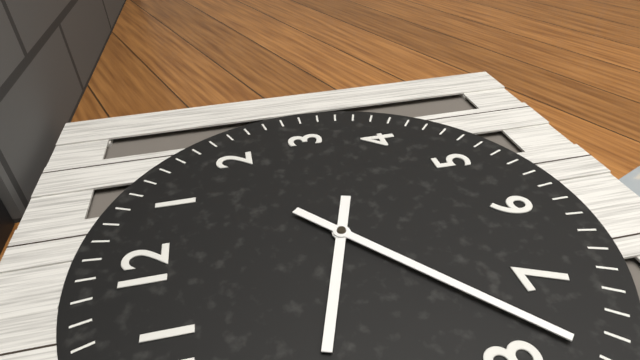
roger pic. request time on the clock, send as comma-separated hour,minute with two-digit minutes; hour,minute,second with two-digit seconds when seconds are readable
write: 9,38
